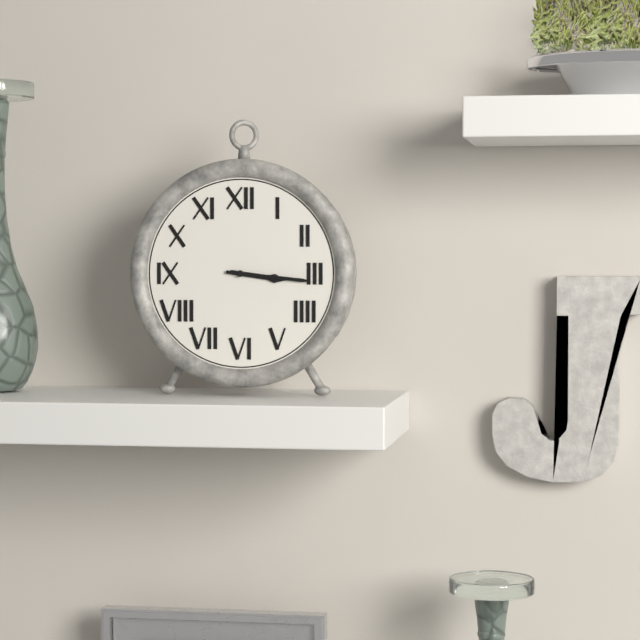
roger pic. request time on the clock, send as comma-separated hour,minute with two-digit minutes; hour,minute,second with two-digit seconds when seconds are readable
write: 3,16
